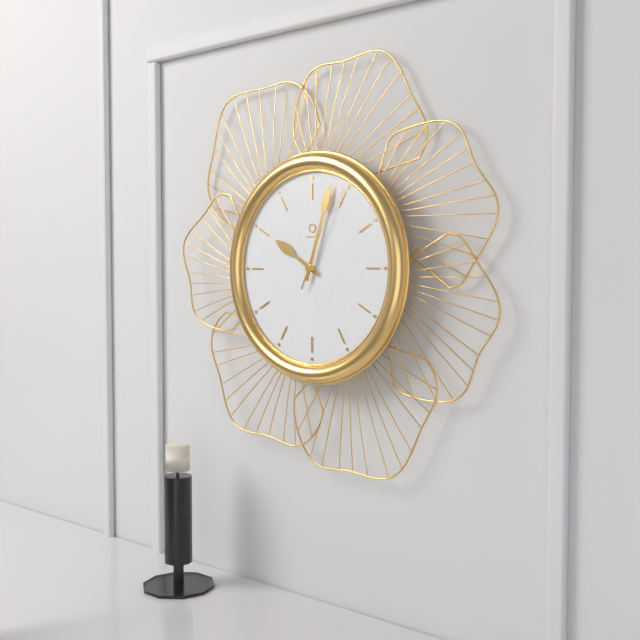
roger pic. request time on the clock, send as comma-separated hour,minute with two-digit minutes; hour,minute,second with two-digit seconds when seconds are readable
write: 10,03,04
